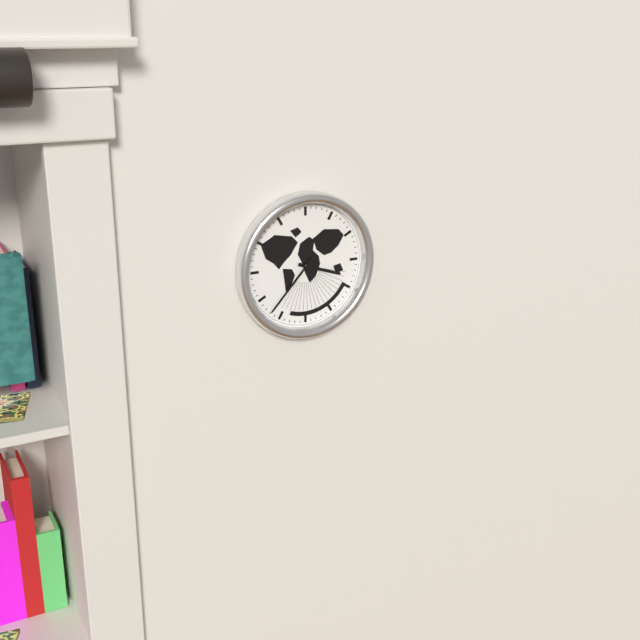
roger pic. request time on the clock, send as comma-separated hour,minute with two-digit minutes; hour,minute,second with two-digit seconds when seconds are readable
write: 3,37
